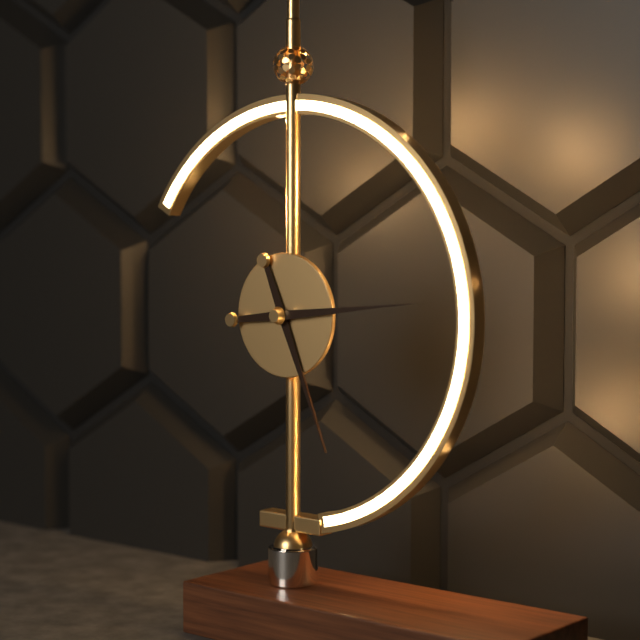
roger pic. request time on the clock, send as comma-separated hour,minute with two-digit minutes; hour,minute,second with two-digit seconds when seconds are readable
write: 5,14
